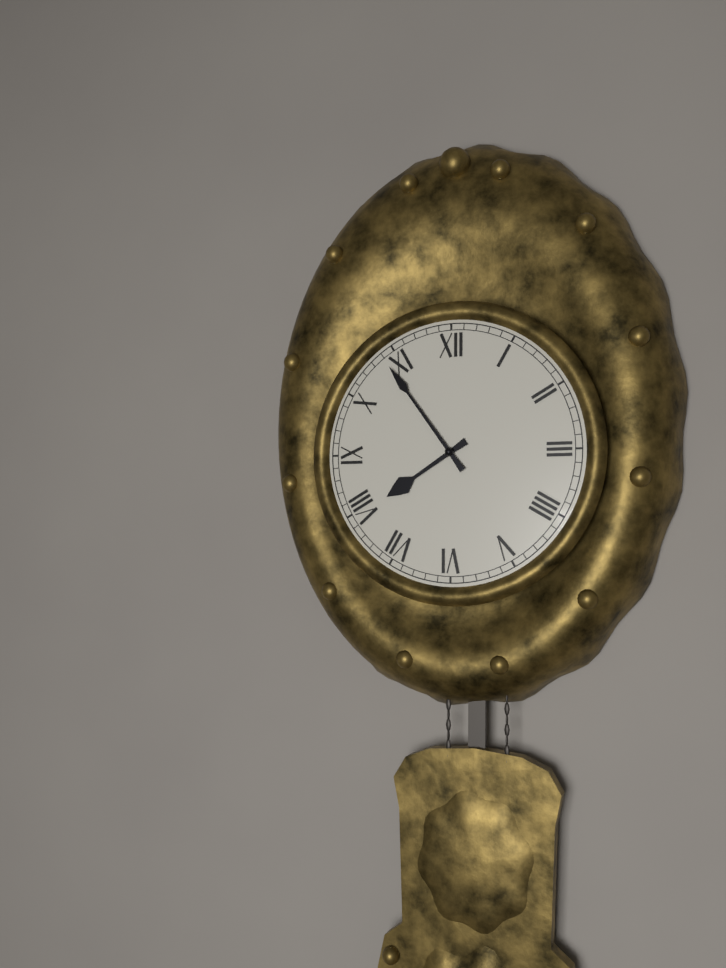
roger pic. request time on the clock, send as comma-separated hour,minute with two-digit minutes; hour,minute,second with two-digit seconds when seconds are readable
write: 7,54
